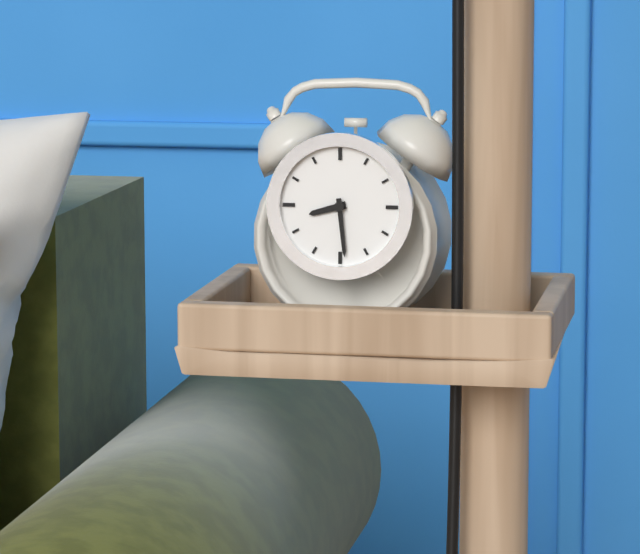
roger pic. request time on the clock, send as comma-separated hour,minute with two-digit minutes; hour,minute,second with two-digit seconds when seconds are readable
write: 8,29
